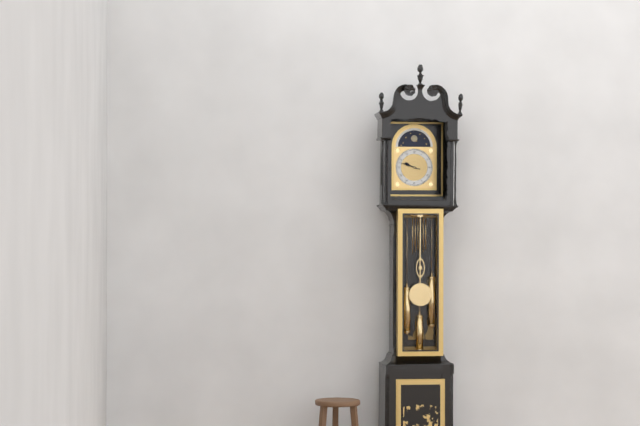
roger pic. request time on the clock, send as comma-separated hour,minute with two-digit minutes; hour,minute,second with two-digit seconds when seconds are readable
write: 9,48
